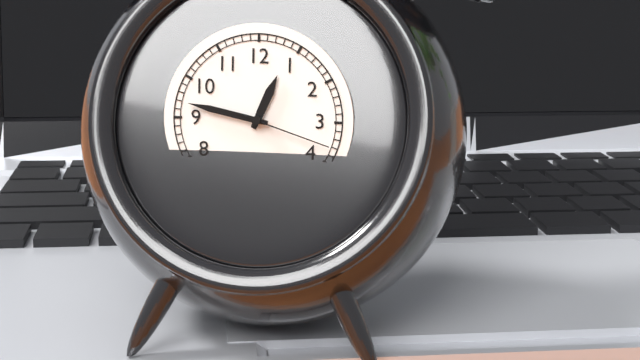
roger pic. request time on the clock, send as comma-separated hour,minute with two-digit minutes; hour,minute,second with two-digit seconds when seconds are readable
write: 12,47,18
